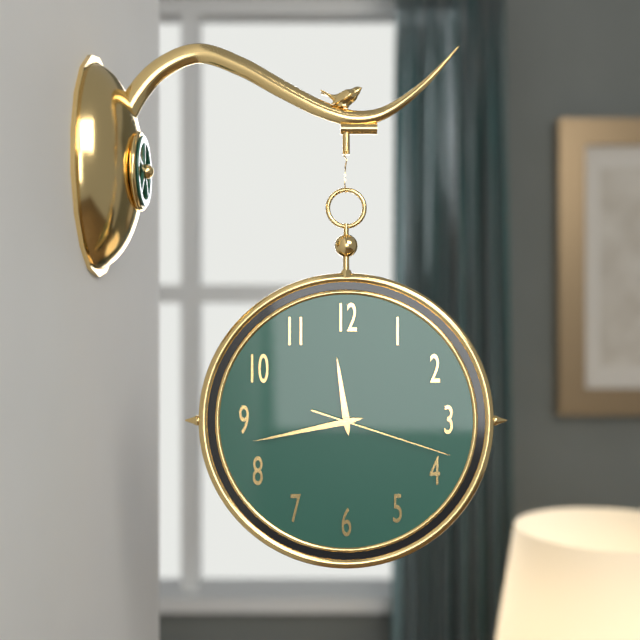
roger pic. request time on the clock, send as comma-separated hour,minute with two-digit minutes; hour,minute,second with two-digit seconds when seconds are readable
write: 11,43,18
